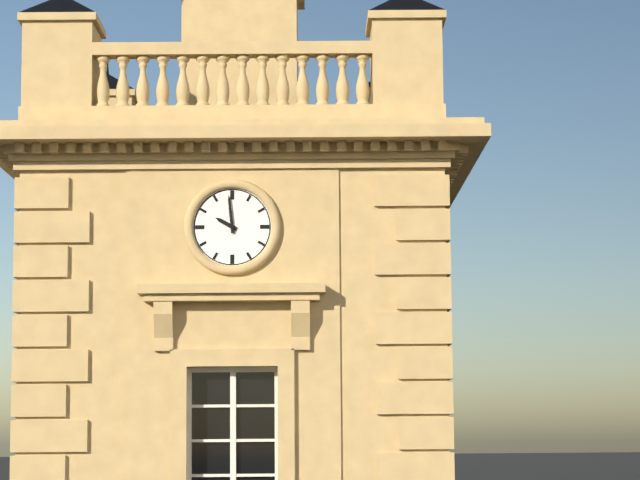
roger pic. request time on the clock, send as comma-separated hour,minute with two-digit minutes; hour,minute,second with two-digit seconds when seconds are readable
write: 9,59
